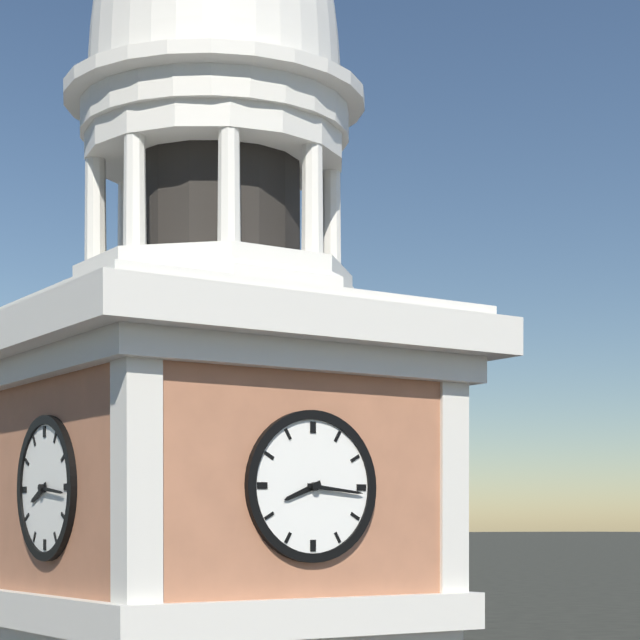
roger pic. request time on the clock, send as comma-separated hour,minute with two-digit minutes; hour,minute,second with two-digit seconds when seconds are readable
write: 8,16
